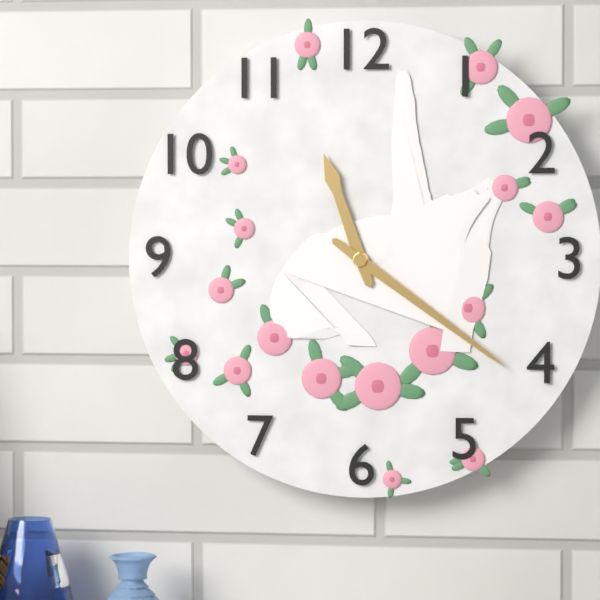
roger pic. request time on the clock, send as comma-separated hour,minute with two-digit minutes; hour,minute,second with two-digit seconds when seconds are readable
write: 11,21
